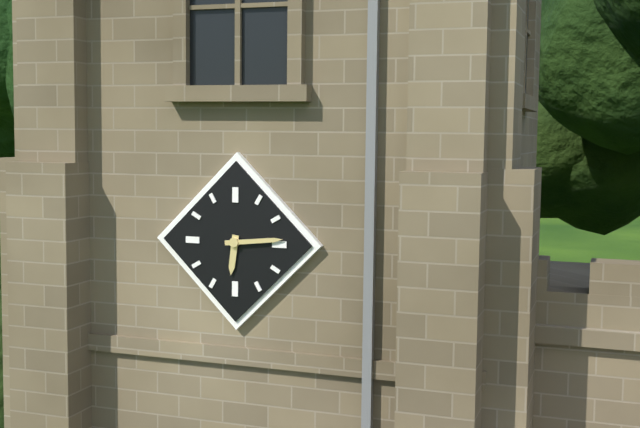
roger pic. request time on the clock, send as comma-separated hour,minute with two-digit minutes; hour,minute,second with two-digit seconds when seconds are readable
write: 6,14
